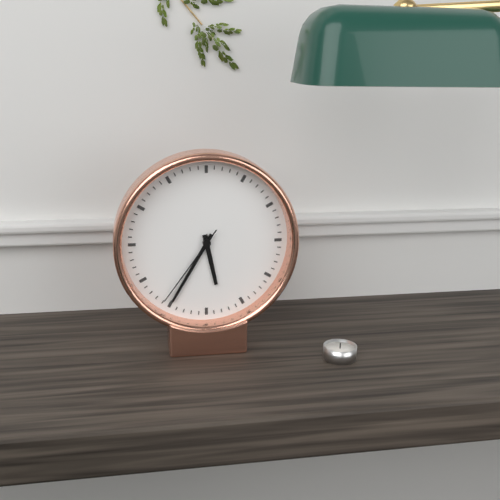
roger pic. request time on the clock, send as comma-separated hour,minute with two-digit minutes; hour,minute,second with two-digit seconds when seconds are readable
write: 5,35,36
